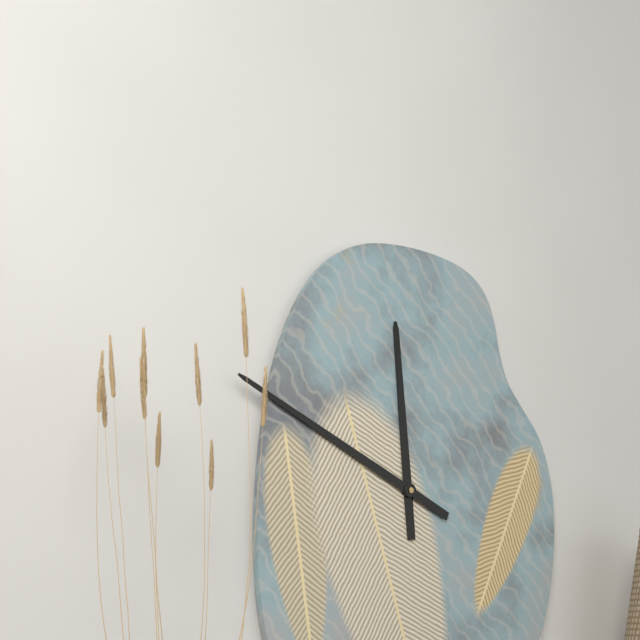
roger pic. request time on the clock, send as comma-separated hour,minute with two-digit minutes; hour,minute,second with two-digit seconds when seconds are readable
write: 11,49
